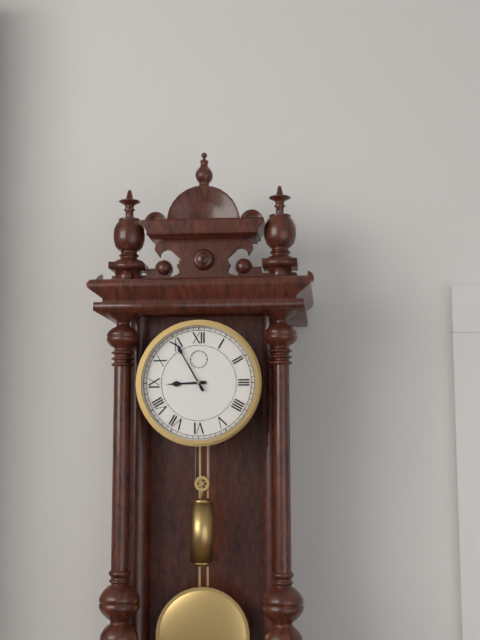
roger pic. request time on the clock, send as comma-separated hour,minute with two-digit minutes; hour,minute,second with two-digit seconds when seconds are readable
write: 8,55
